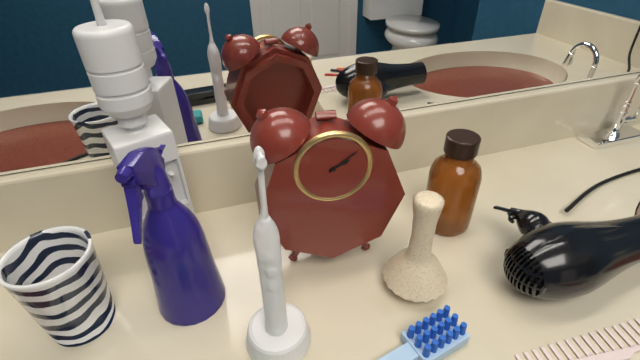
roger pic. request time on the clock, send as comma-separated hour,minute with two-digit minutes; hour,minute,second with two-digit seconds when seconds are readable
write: 2,09
